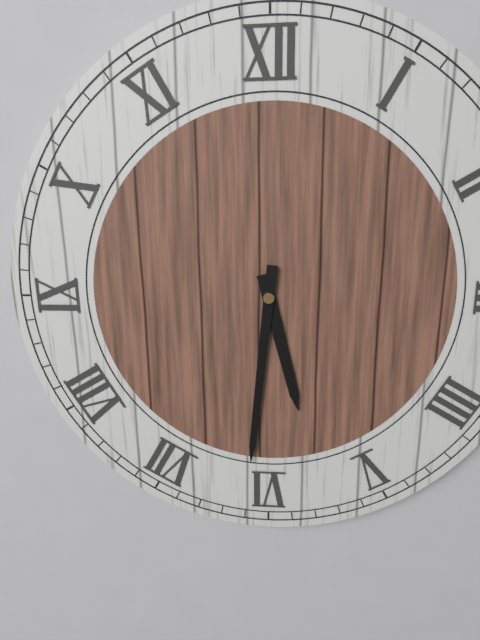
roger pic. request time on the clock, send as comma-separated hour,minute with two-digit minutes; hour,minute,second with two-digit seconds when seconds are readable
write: 5,31
